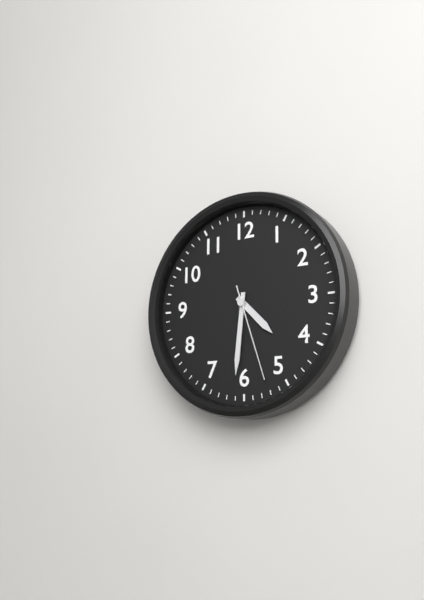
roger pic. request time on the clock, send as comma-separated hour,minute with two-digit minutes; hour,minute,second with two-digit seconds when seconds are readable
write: 4,31,27
